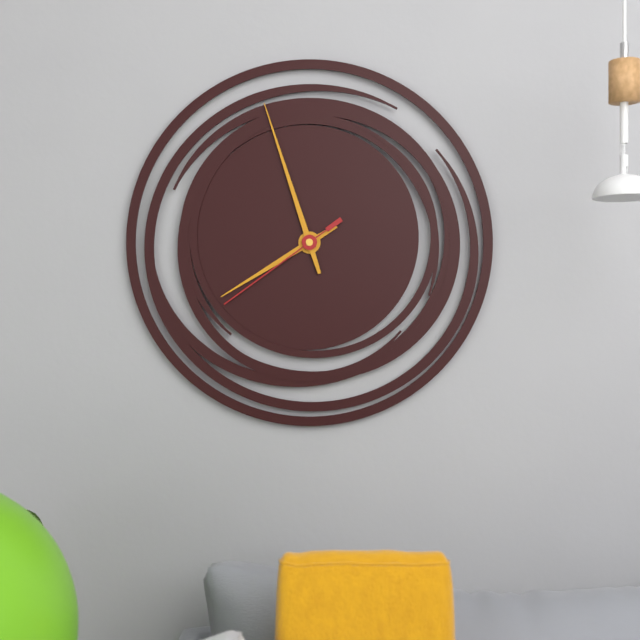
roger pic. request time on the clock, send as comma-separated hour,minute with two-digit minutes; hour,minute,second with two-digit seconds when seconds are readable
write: 7,57,39
